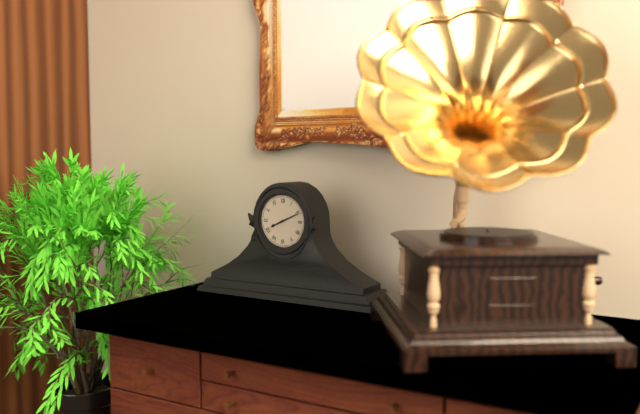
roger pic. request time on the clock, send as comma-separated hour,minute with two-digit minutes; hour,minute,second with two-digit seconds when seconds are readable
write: 8,11
